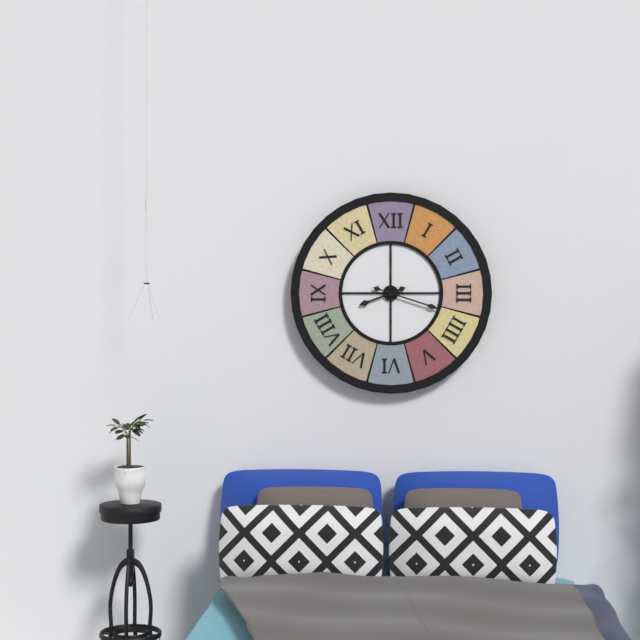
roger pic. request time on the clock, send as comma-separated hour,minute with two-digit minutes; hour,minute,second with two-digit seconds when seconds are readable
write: 8,18
